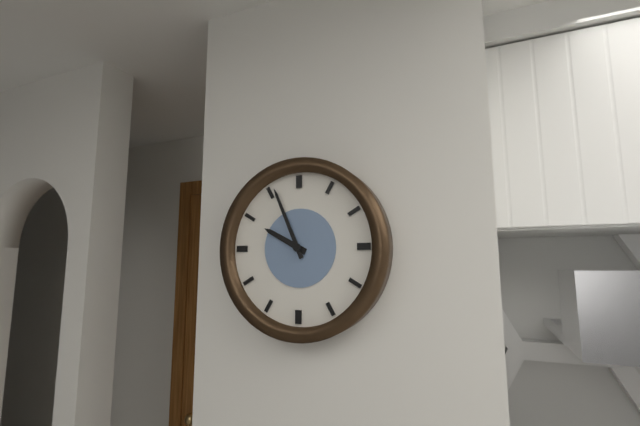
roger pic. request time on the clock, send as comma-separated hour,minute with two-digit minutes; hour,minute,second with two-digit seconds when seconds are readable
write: 9,56
